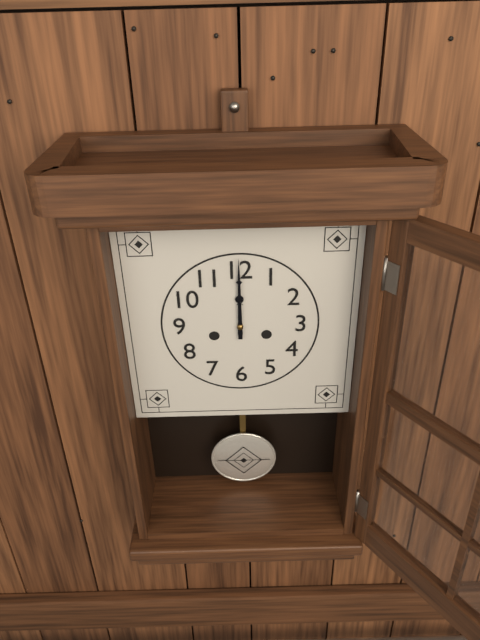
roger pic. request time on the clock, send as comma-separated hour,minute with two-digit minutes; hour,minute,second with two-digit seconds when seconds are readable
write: 12,00
